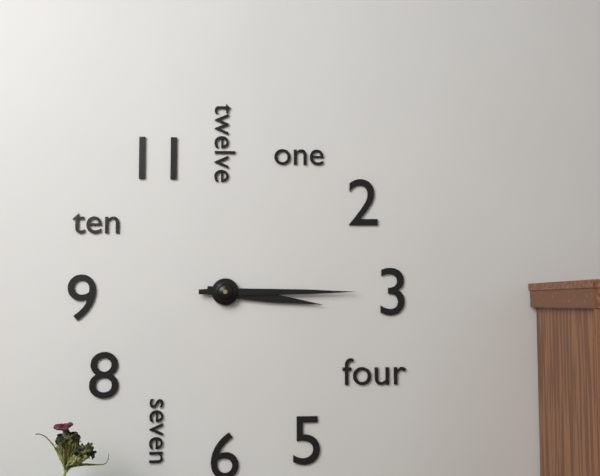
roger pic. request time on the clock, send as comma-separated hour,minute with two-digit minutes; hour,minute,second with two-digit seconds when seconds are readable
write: 3,15
